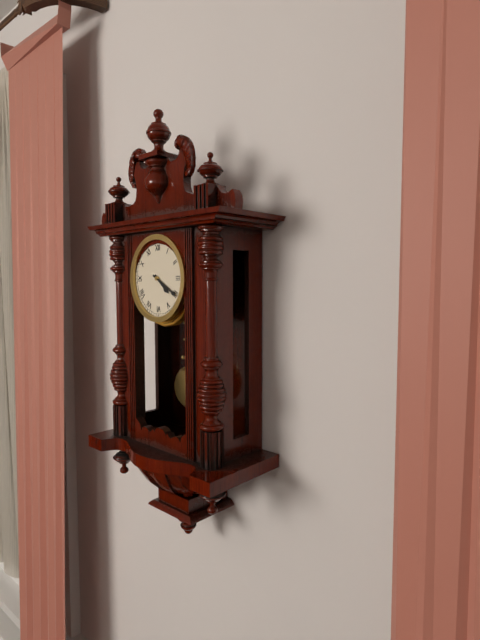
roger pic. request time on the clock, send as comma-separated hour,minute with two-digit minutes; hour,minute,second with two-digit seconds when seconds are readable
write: 4,20
